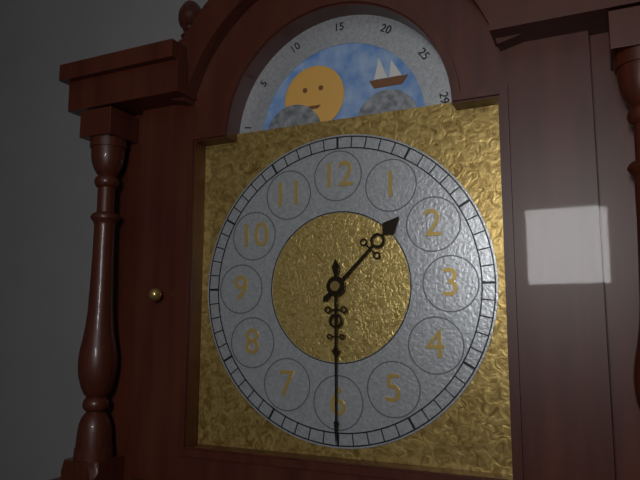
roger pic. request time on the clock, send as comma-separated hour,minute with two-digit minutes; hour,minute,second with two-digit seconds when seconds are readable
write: 1,30
